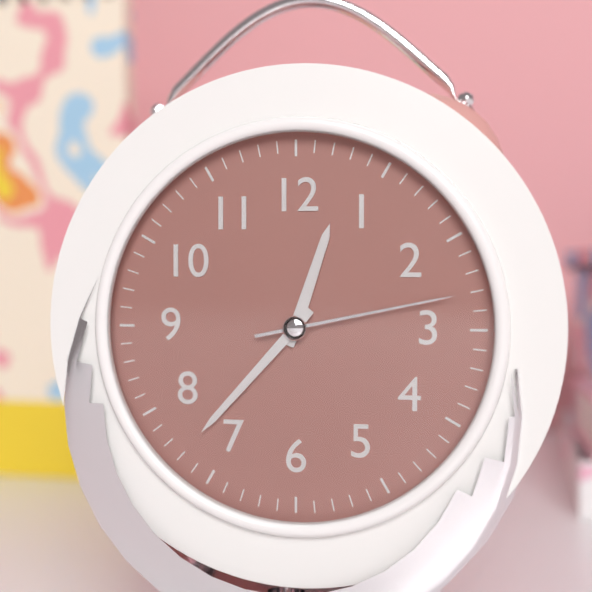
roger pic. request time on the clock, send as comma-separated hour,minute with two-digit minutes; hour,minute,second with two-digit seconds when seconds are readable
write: 12,37,13
